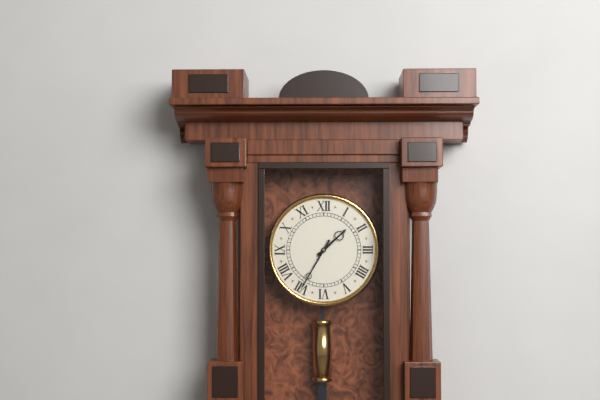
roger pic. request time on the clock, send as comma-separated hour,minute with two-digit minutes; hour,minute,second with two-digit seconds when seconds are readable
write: 1,35
